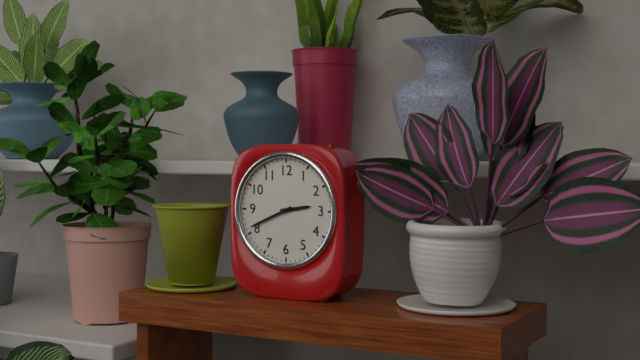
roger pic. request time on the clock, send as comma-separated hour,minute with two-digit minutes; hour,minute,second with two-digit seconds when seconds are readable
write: 2,41
